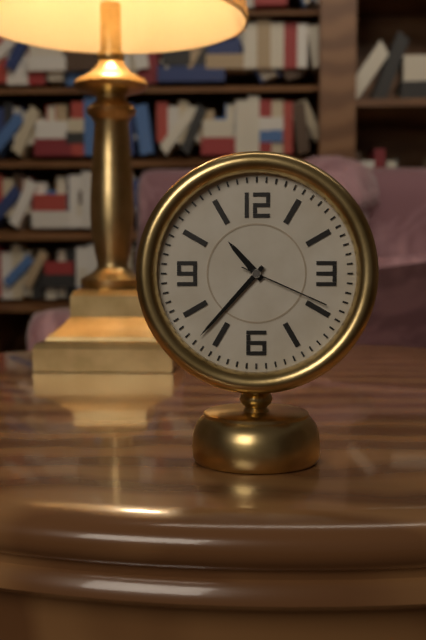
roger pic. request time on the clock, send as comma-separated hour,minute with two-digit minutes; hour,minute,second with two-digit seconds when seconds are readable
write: 10,37,19
